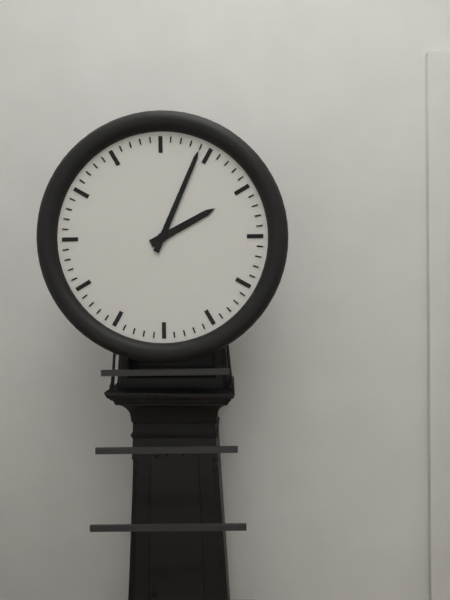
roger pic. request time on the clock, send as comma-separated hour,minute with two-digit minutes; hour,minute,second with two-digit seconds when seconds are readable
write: 2,04
